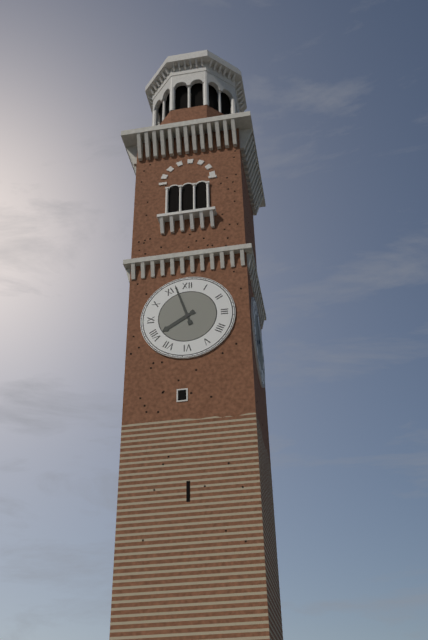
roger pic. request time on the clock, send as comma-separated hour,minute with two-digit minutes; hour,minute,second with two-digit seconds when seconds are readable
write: 7,57
